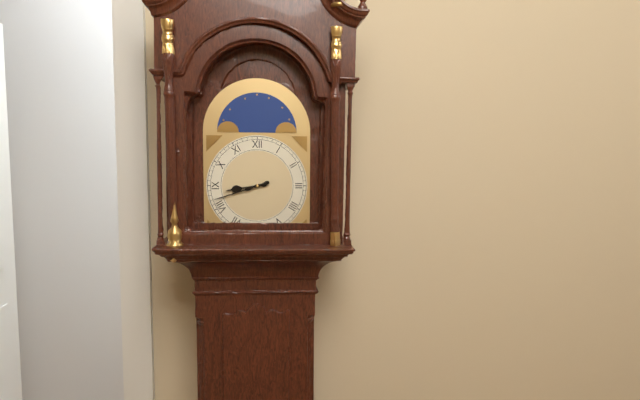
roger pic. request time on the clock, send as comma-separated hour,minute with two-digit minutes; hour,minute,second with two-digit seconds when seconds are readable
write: 8,42
